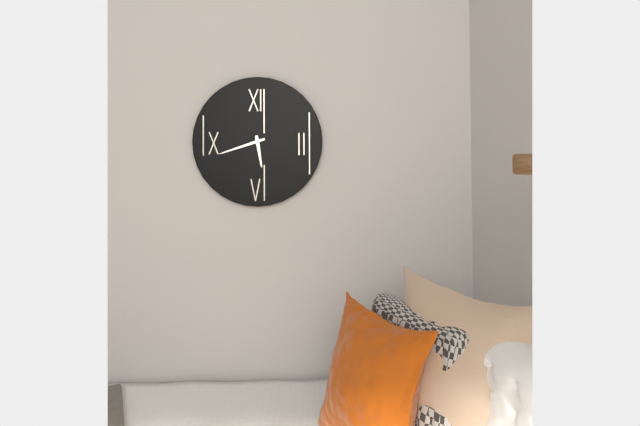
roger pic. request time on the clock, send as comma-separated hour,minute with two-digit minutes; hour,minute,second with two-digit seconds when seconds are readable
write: 5,42
